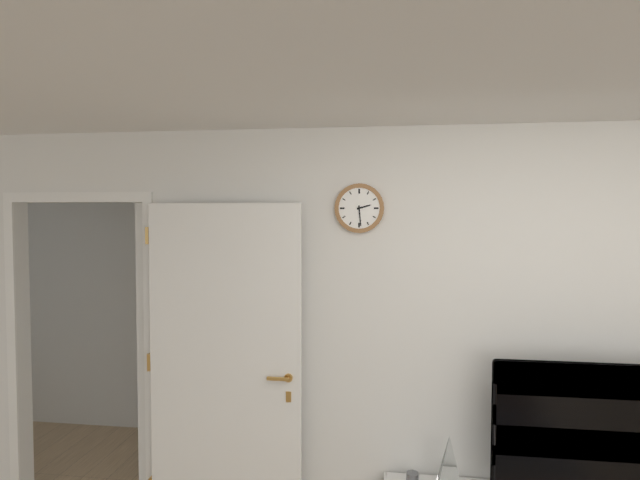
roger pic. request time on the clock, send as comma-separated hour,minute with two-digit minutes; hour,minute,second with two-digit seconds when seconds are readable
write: 2,29
